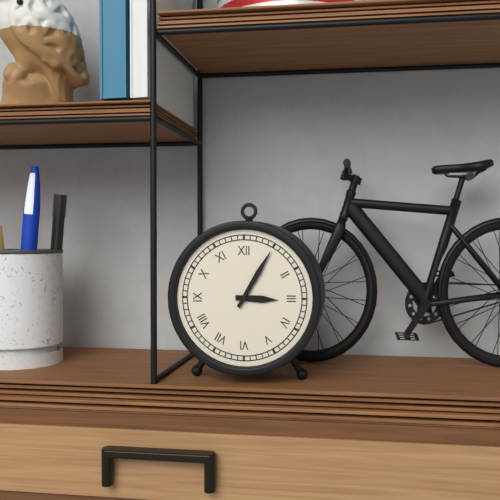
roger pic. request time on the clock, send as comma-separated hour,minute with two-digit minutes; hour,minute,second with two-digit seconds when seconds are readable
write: 3,05
